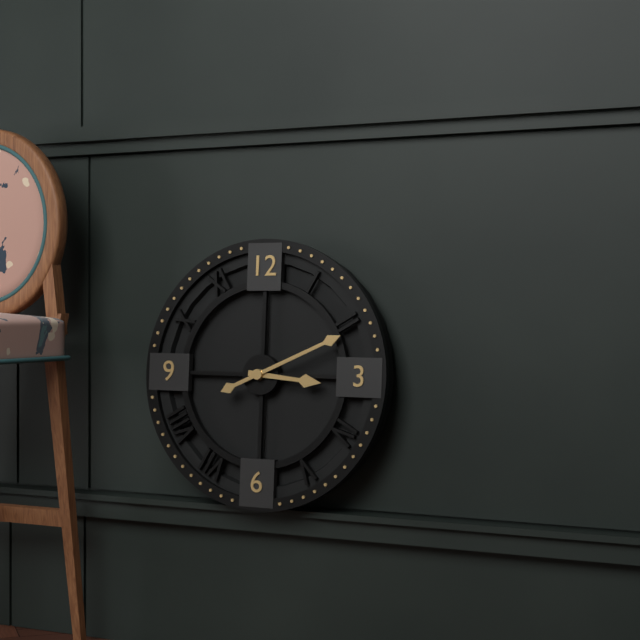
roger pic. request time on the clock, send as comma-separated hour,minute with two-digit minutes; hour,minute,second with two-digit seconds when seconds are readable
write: 3,11
